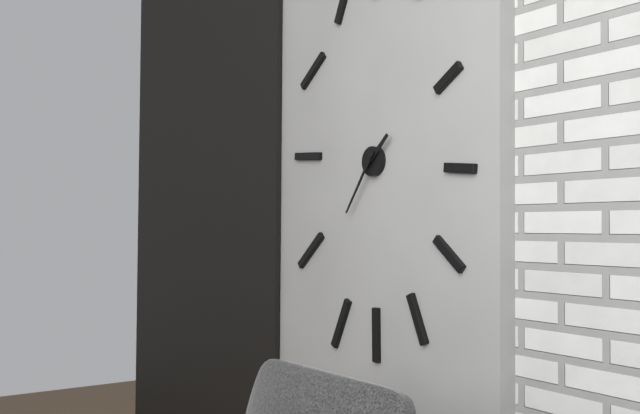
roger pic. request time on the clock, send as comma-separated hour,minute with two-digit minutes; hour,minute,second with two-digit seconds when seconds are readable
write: 1,36
